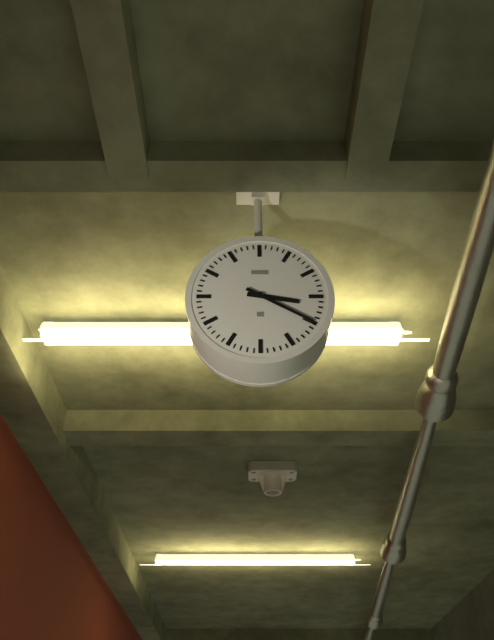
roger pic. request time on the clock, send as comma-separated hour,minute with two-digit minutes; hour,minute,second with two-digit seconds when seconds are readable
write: 3,20
